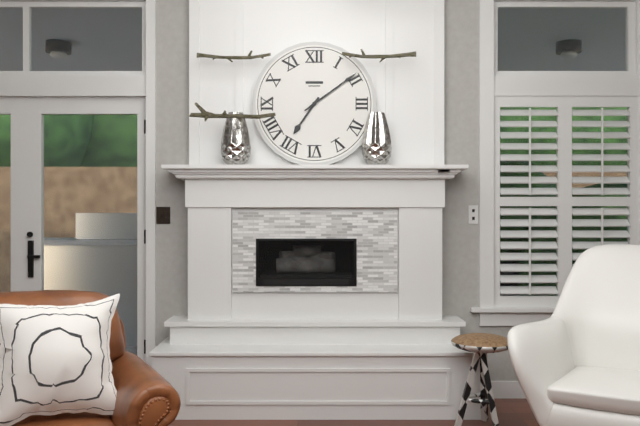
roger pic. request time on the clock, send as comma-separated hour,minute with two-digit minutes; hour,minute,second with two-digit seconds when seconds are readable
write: 7,09
